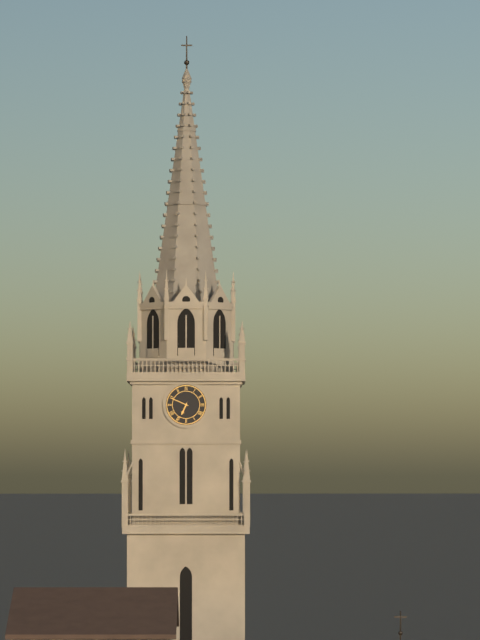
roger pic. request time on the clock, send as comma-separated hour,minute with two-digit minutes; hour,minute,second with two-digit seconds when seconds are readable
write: 6,49
